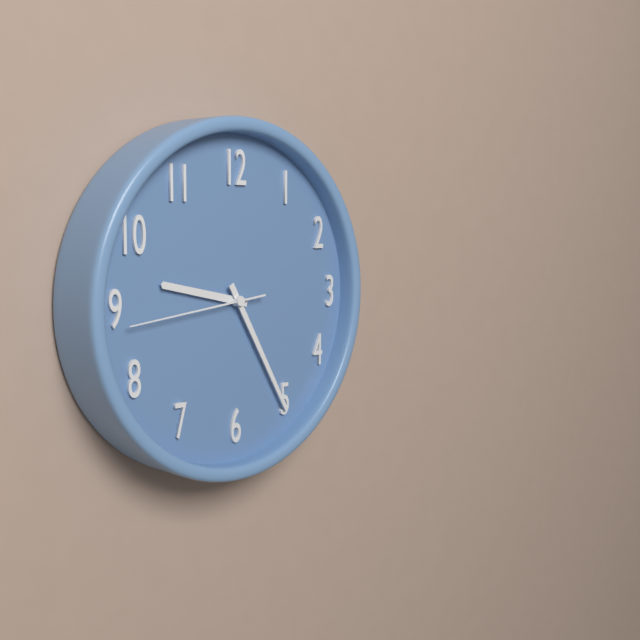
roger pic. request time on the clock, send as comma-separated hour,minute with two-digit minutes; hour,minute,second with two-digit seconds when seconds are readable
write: 9,25,44
